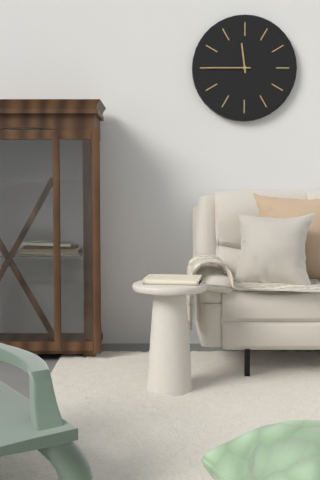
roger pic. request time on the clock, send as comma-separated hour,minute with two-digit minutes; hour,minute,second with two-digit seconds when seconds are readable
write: 11,45
